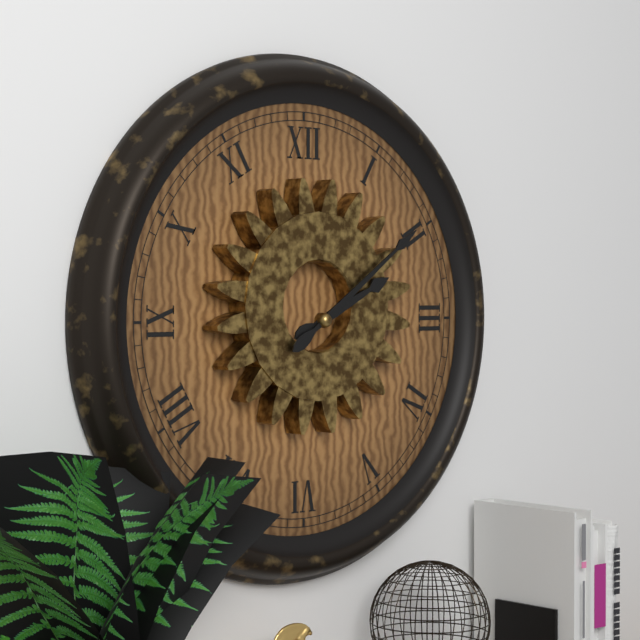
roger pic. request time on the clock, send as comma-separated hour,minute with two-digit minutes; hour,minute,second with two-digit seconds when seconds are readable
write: 2,09
